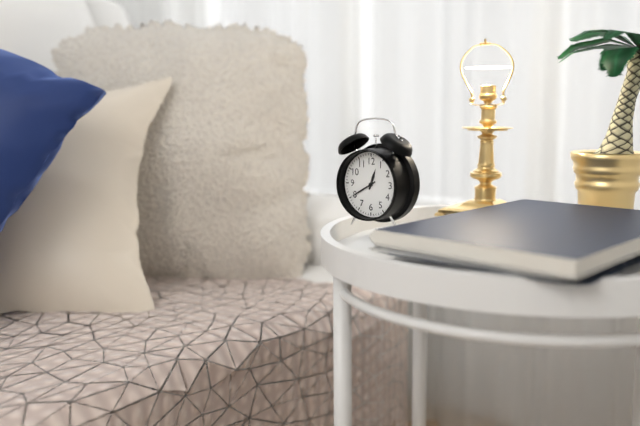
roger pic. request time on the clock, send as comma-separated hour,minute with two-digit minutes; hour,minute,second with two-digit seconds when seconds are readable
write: 12,40
